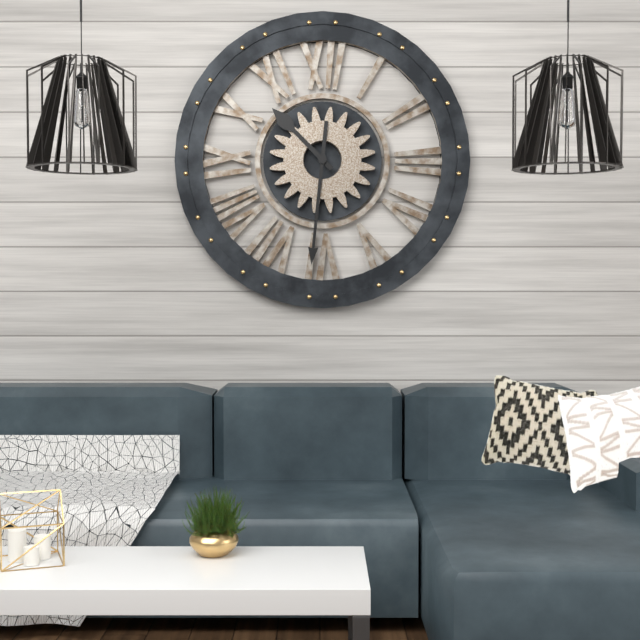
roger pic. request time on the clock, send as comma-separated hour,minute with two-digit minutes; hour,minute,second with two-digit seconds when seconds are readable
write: 10,31
